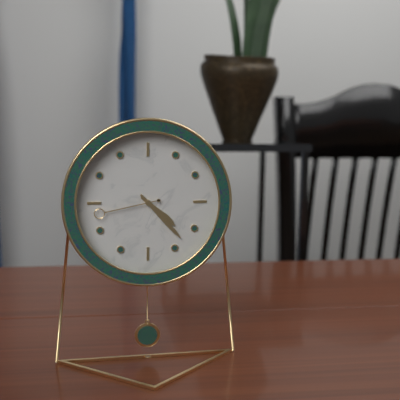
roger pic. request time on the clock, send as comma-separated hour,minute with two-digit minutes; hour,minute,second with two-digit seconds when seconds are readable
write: 4,23,43
